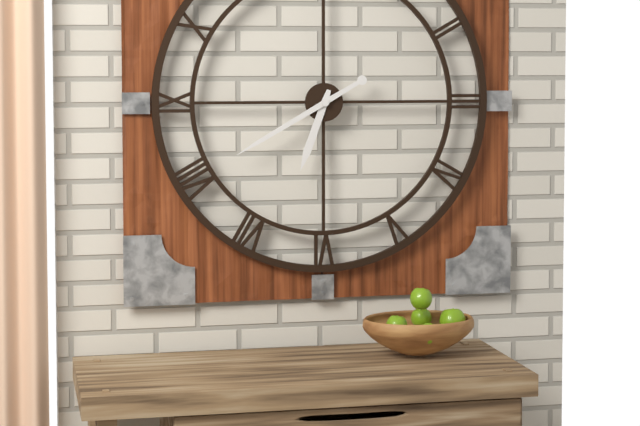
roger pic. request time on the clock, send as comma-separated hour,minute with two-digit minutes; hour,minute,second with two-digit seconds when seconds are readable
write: 6,40
